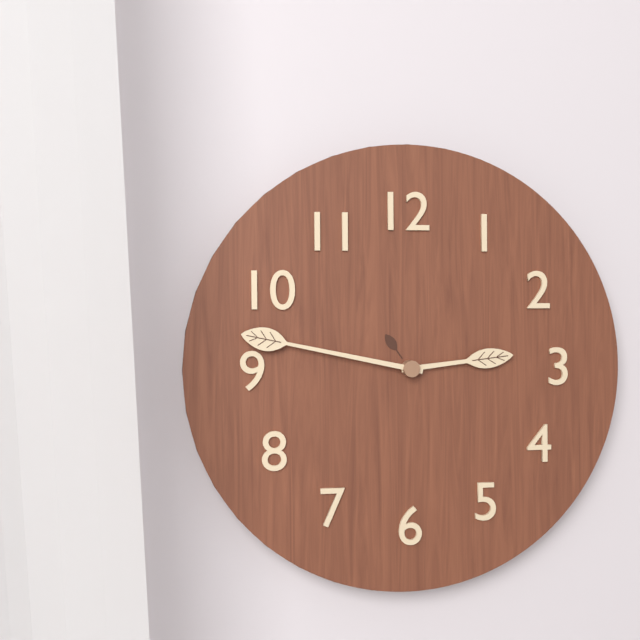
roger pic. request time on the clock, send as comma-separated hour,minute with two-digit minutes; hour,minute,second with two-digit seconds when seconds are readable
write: 2,47
